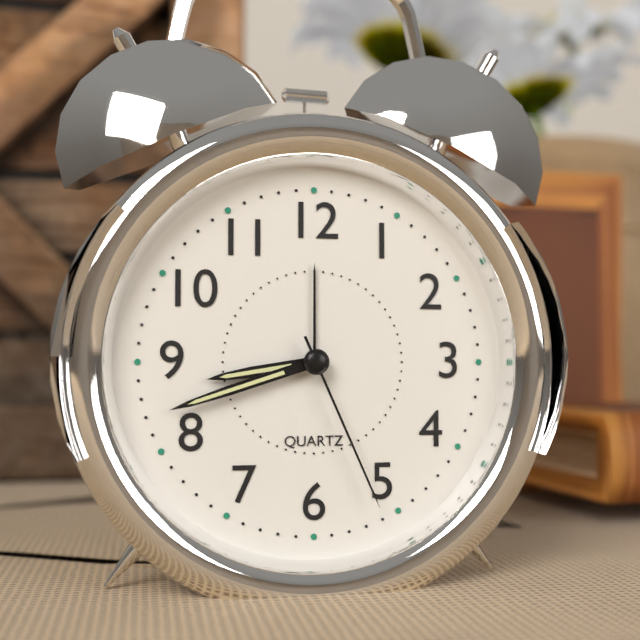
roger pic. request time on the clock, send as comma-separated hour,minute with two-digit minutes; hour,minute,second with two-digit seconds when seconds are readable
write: 8,42,26
